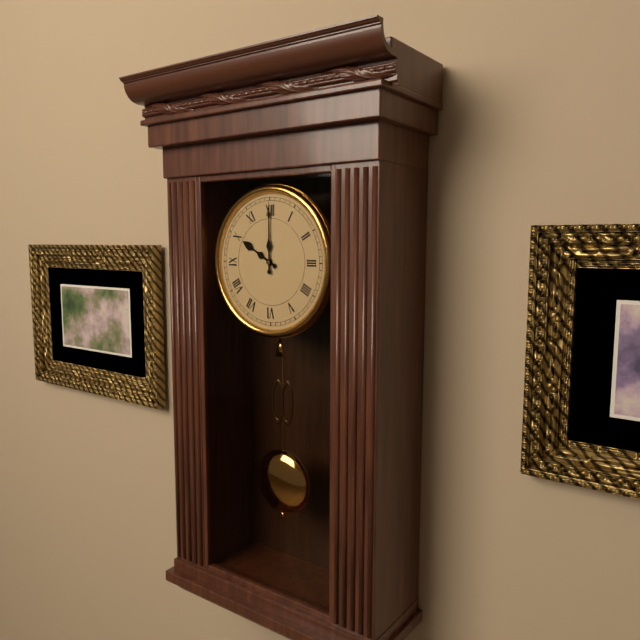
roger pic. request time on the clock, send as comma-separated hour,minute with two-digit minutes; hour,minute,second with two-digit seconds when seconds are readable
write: 10,00
